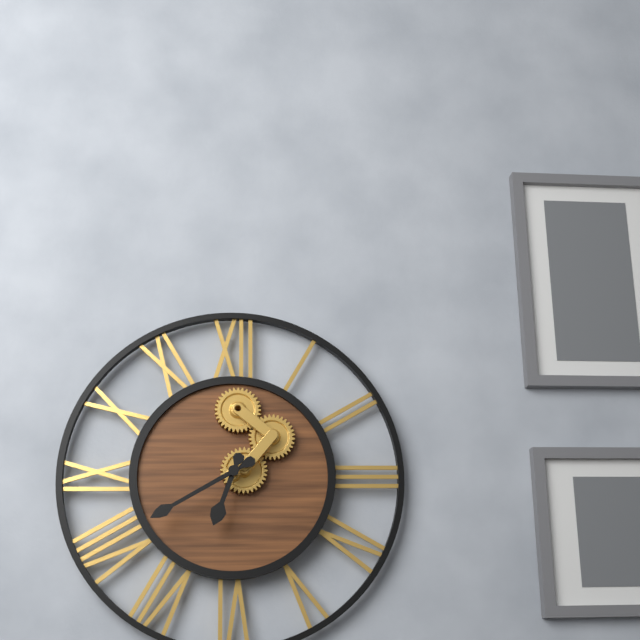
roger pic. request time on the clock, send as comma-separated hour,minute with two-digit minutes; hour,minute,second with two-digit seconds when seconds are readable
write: 6,40
